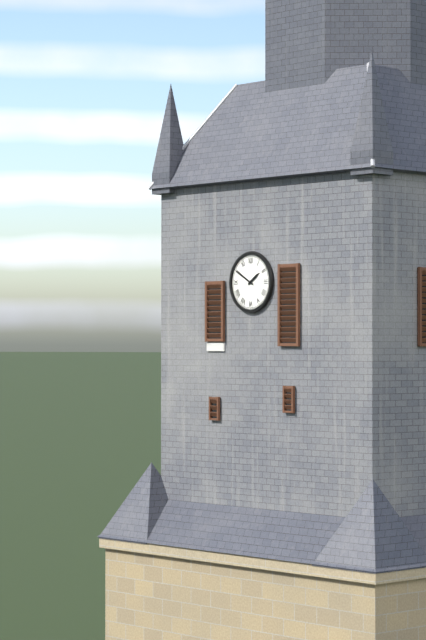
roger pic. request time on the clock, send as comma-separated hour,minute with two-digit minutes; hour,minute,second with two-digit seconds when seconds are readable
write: 1,50
